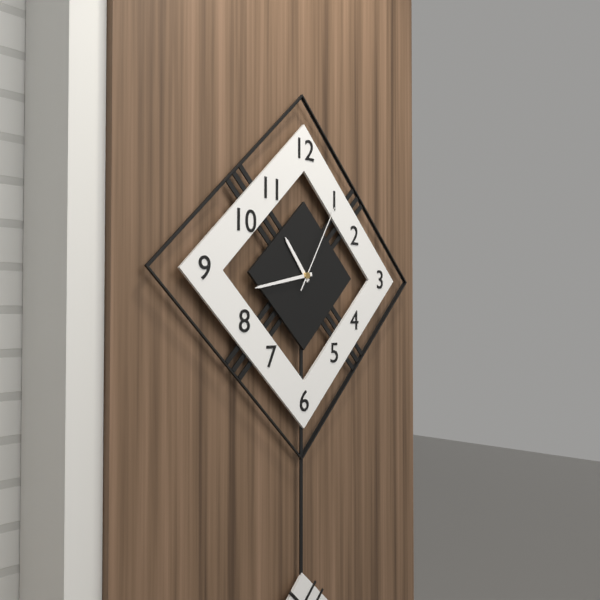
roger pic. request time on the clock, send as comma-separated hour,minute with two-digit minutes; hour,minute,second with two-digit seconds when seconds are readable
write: 10,43,05
